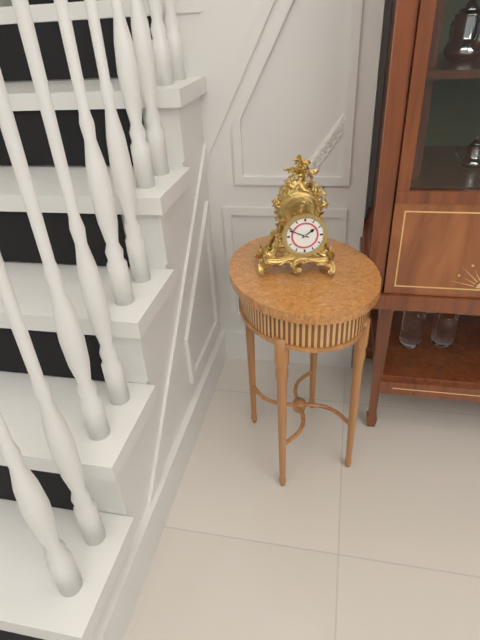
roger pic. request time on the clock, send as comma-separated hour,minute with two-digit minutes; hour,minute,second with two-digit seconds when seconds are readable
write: 1,49
